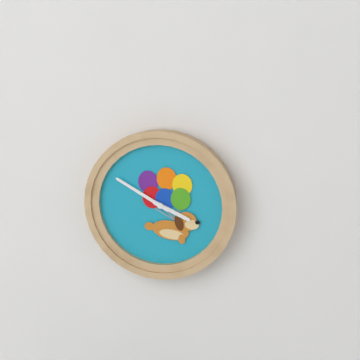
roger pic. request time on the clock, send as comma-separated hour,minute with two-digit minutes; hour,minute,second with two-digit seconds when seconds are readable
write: 3,50
